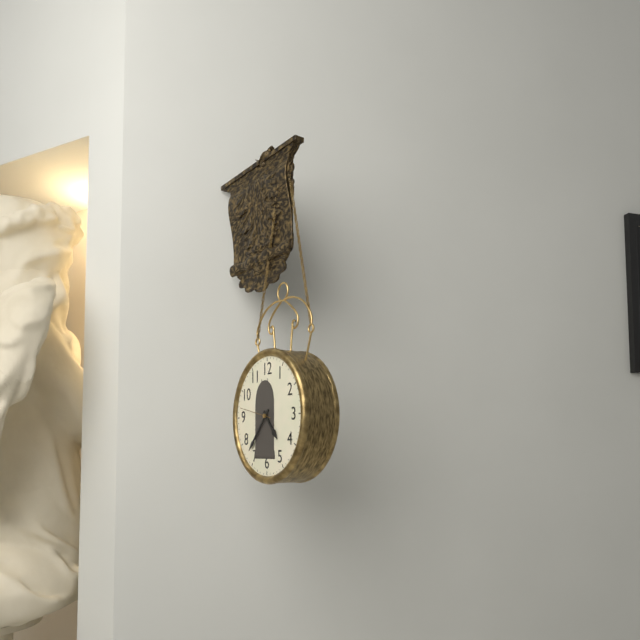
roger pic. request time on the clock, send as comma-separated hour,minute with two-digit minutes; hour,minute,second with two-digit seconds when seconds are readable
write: 4,37
